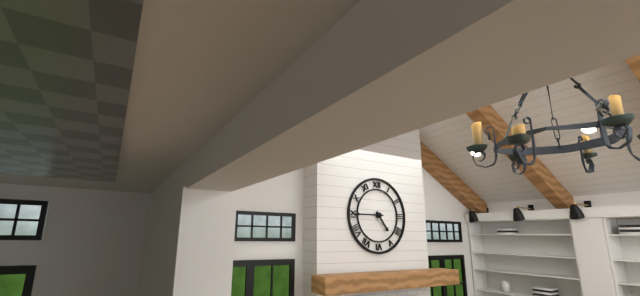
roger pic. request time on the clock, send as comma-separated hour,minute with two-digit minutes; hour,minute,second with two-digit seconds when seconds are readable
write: 4,45
